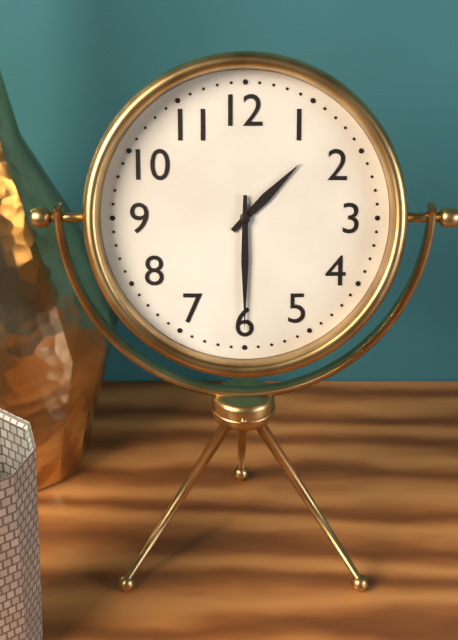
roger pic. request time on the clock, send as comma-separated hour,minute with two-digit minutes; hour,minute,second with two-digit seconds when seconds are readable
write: 1,30
